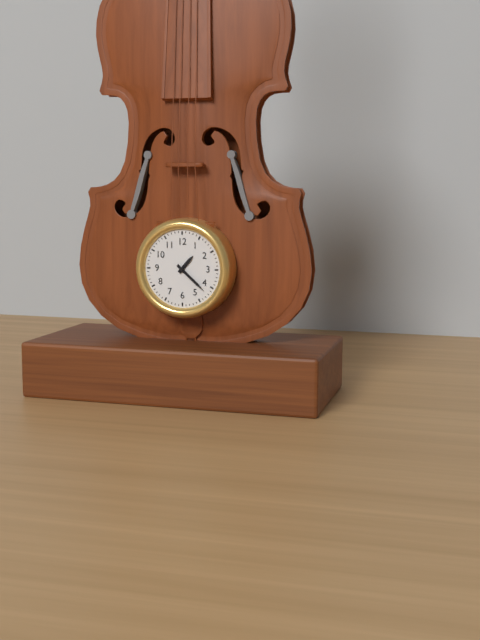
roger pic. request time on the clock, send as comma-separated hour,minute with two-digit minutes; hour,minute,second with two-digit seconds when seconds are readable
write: 1,22
